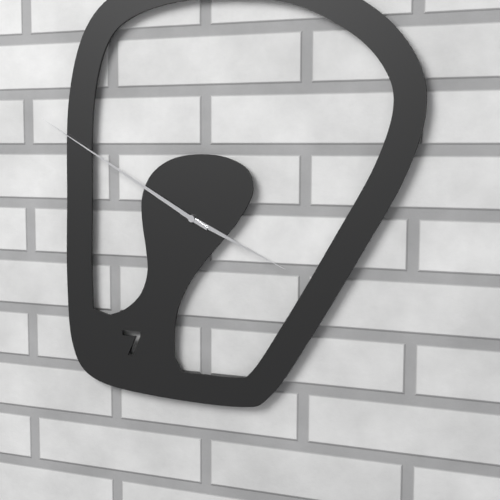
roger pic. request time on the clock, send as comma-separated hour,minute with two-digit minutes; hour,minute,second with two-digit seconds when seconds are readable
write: 3,50
